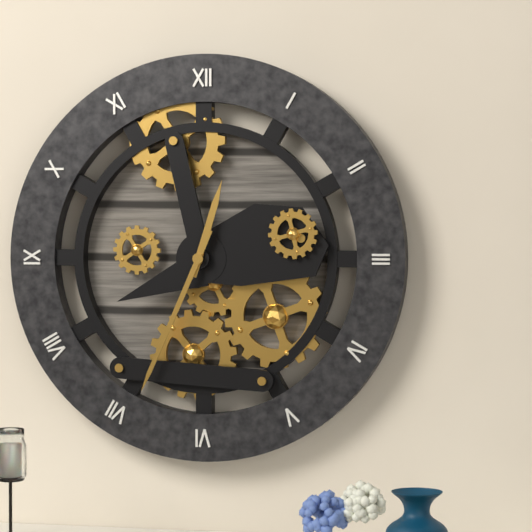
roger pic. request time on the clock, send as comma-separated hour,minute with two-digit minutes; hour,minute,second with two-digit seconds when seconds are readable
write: 12,34
